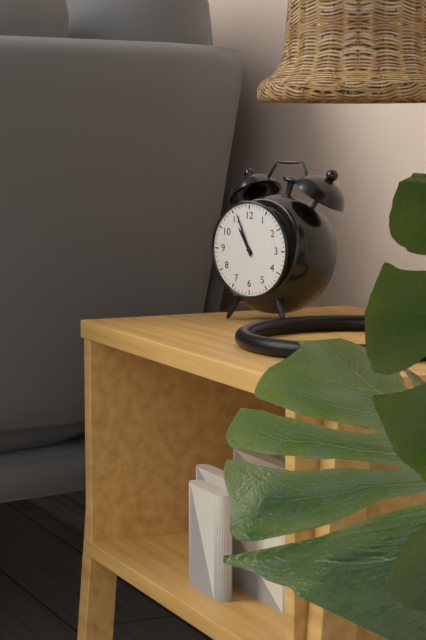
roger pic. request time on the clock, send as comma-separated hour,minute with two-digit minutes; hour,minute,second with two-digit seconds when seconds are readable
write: 10,56
